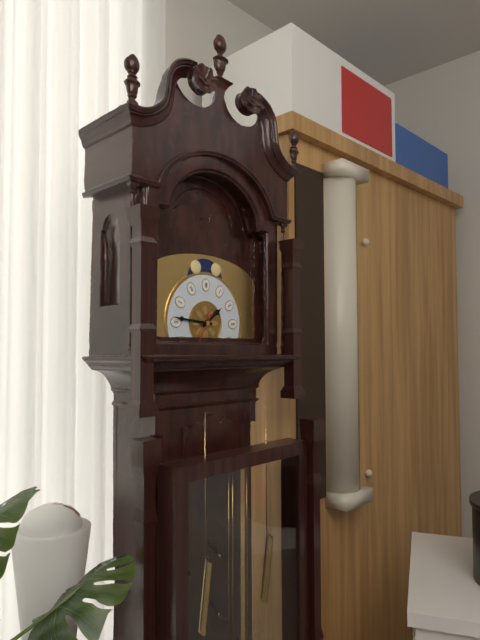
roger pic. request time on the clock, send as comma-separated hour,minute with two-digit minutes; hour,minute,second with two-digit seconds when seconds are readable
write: 1,46
